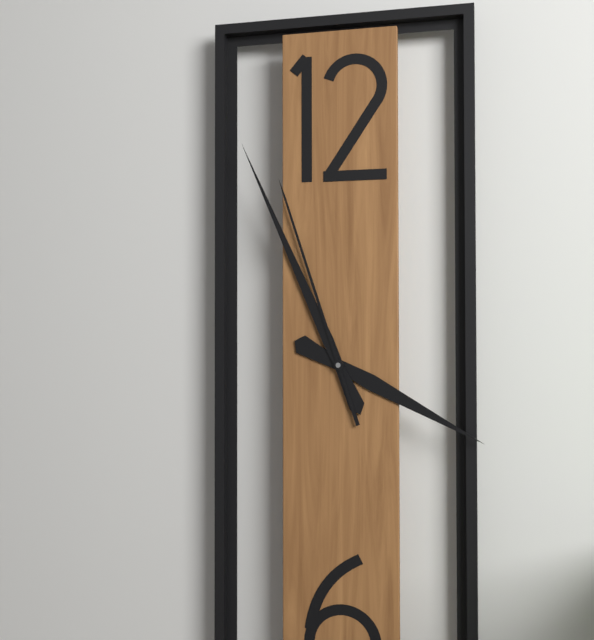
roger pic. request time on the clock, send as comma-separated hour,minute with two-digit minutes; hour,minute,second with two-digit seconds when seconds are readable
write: 3,56,57
